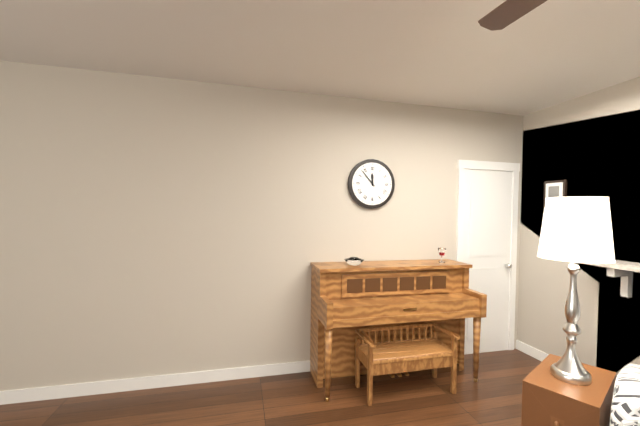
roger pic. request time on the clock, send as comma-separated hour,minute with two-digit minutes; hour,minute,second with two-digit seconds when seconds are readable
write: 11,53
